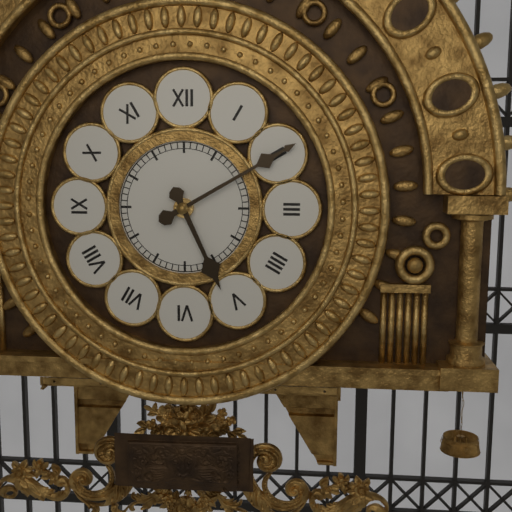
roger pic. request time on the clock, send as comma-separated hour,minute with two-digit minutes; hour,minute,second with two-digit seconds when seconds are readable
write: 5,10
